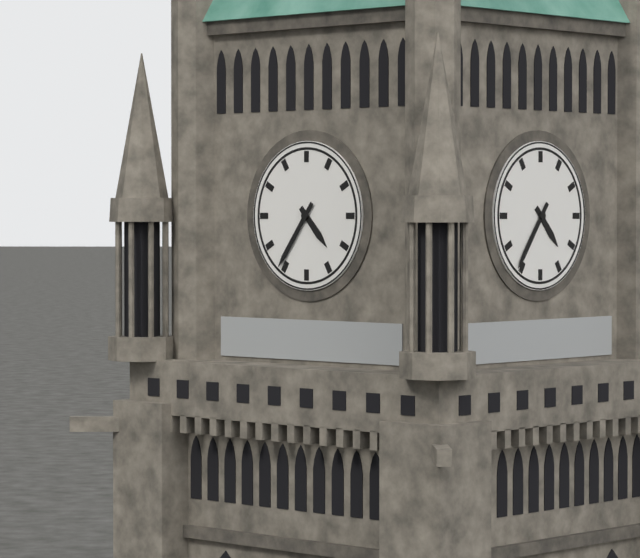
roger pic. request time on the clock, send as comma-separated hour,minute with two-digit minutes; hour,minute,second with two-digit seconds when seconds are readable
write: 4,36
